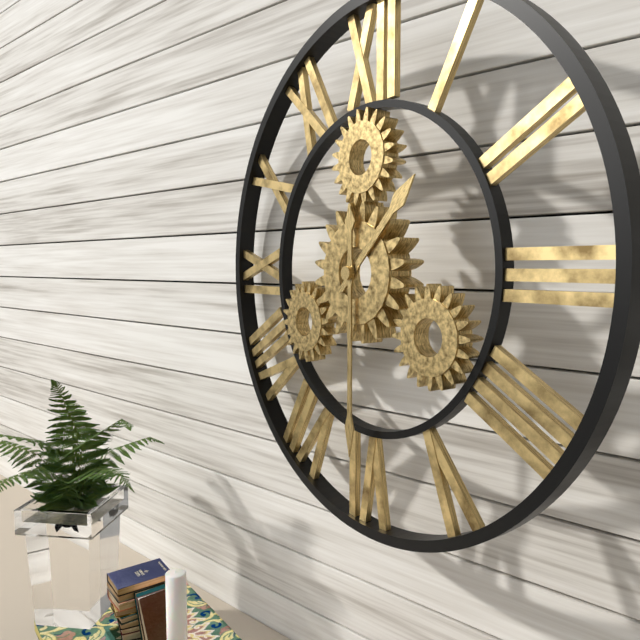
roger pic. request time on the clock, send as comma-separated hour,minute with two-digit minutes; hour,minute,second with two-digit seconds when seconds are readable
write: 1,30
